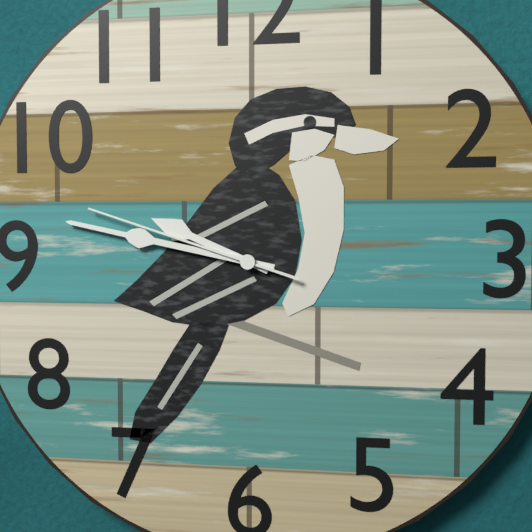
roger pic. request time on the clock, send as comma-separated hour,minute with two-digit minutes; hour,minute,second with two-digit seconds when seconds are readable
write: 9,47,48
